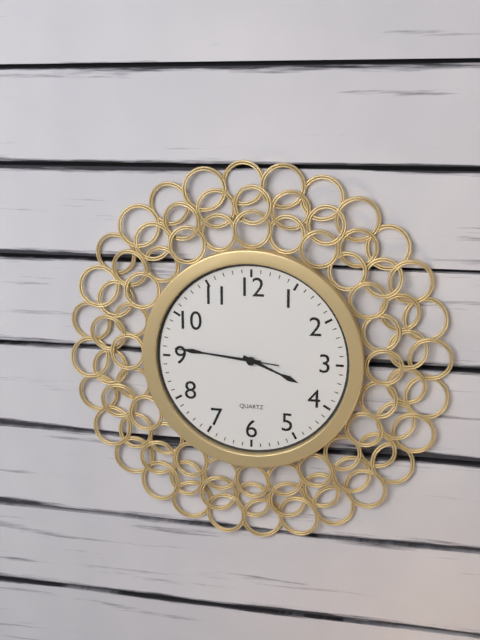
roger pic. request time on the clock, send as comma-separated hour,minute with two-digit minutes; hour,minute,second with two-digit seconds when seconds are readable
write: 3,46,46
